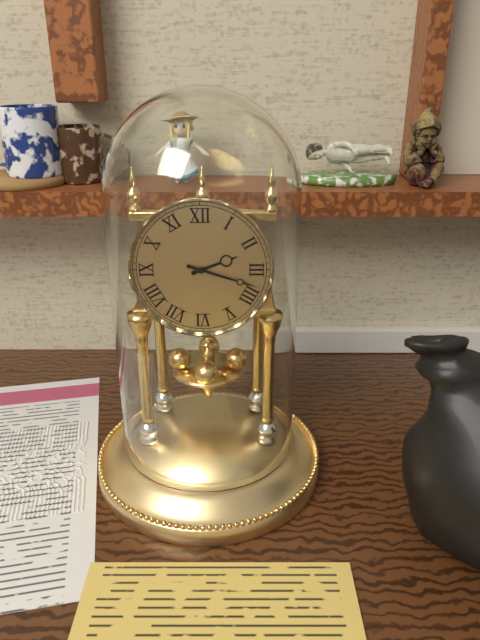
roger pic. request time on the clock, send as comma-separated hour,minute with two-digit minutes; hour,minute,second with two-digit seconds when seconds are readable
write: 2,18
